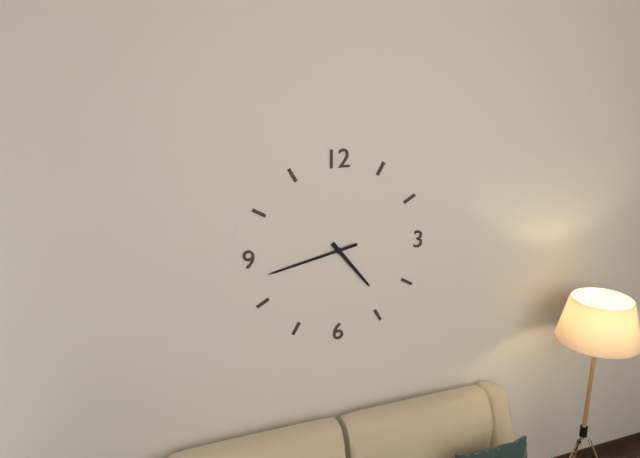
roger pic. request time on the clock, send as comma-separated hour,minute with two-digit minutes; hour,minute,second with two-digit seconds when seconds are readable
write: 4,43
